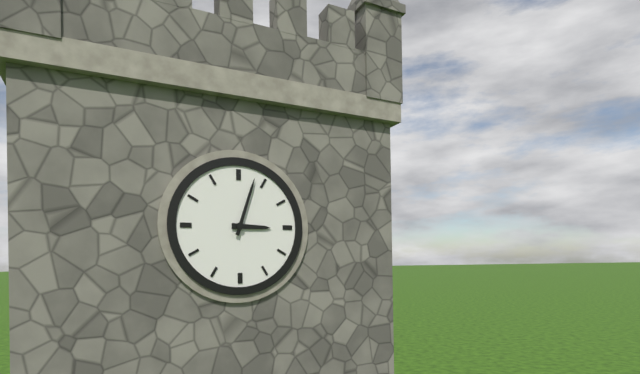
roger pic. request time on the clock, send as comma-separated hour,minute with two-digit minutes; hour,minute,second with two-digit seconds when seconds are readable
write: 3,03
